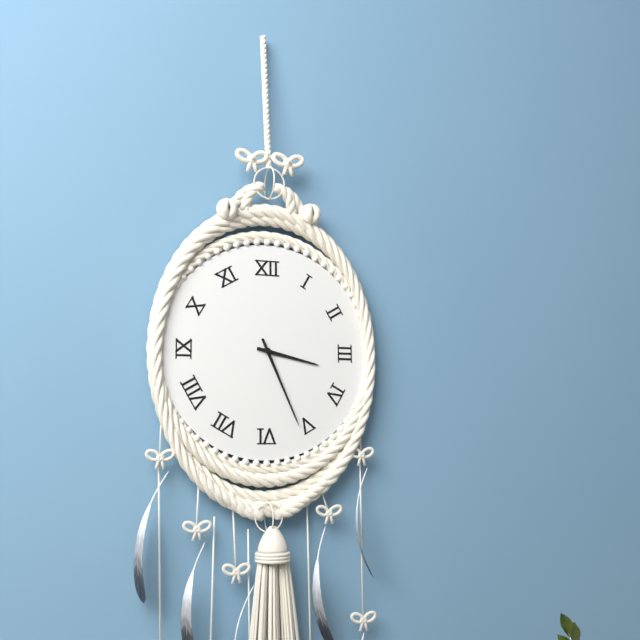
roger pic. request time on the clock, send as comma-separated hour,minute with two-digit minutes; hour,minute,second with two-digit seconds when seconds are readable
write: 3,26
